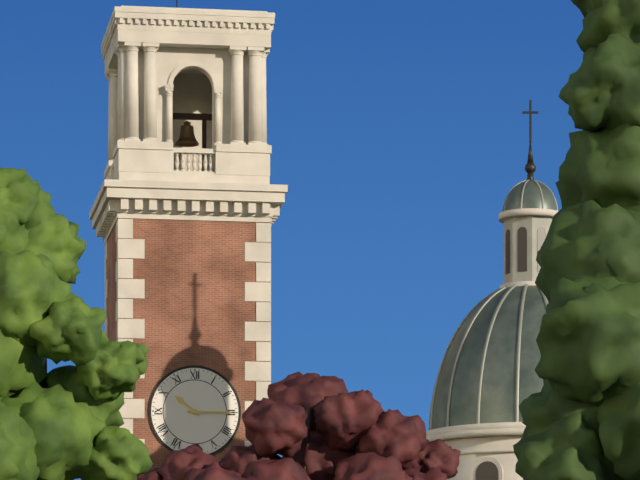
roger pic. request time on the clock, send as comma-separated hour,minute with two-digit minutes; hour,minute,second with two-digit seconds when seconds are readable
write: 10,15
